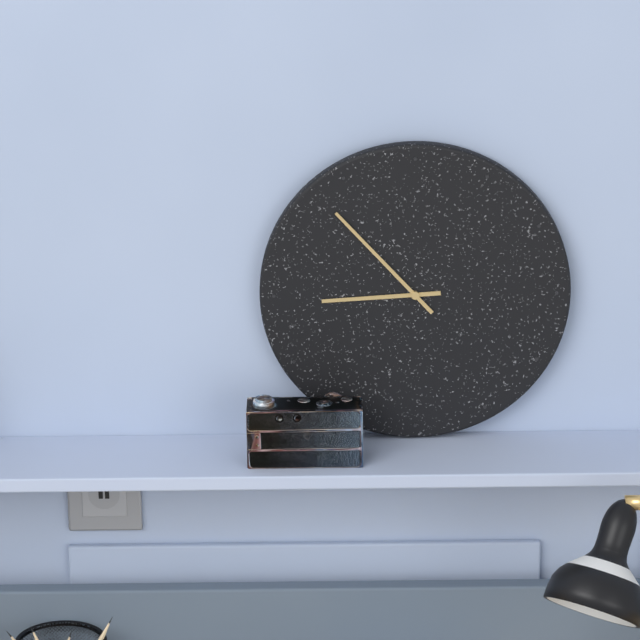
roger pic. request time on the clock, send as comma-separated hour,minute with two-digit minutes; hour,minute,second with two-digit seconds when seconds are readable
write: 8,53
